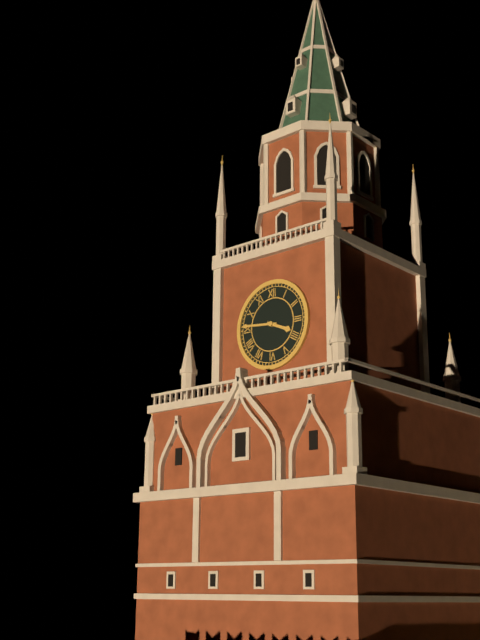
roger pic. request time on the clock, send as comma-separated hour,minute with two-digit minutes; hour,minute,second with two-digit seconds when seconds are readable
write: 3,46
